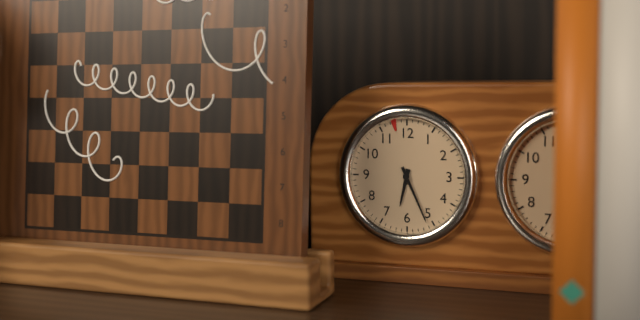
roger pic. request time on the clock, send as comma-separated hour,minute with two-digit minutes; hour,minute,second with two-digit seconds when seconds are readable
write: 6,26
